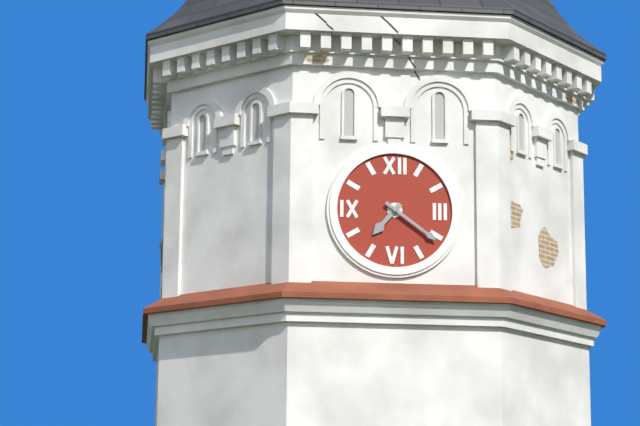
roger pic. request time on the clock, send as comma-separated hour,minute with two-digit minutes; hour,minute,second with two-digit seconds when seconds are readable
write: 7,21
